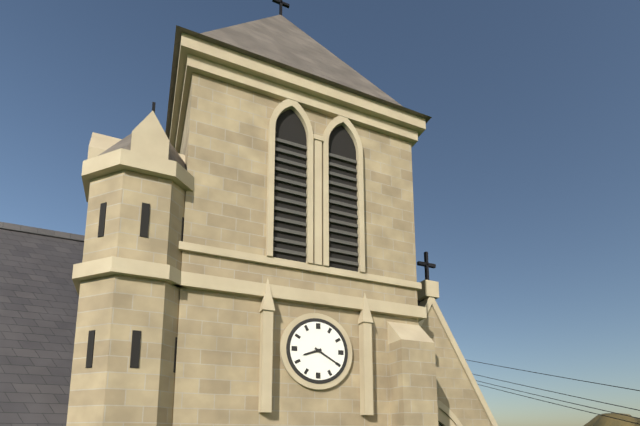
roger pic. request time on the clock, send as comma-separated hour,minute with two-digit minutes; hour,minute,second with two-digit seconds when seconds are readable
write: 8,20
